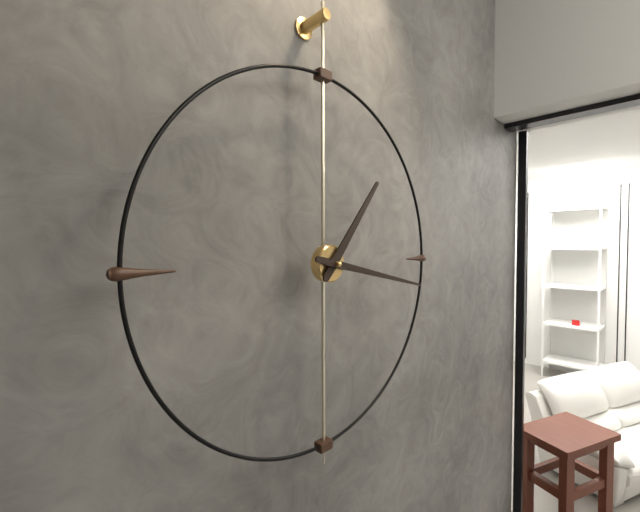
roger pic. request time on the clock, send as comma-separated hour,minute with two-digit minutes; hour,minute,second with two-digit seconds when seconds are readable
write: 1,17
